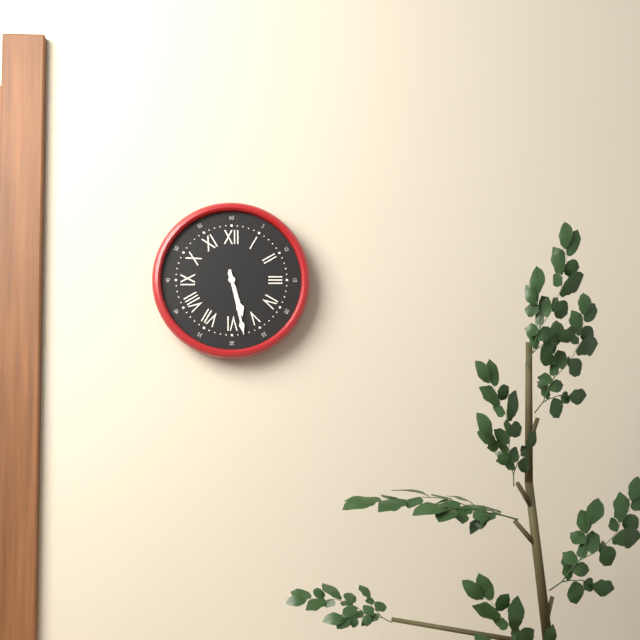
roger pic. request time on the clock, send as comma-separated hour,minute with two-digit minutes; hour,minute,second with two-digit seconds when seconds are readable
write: 5,28
